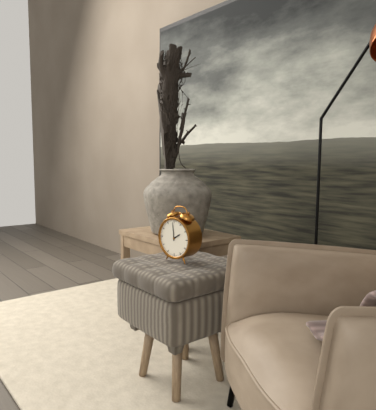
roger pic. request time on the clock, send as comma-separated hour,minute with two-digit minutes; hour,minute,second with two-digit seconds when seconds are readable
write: 1,59
